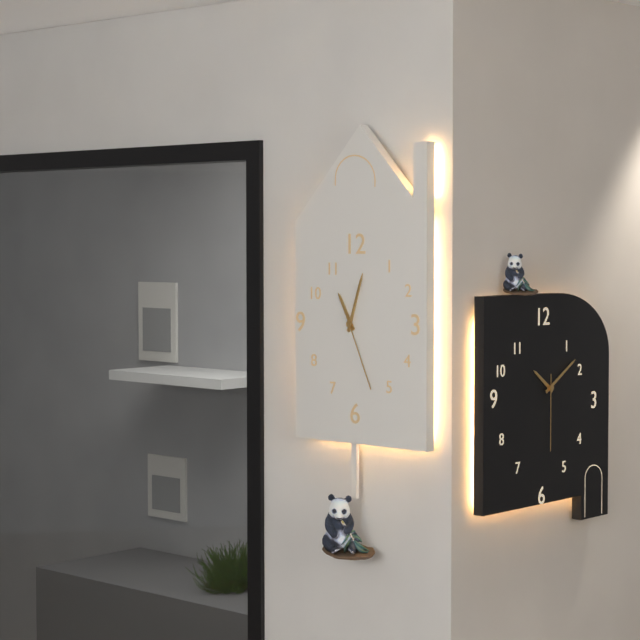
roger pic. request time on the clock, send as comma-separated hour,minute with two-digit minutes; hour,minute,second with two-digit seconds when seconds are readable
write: 11,03,26
